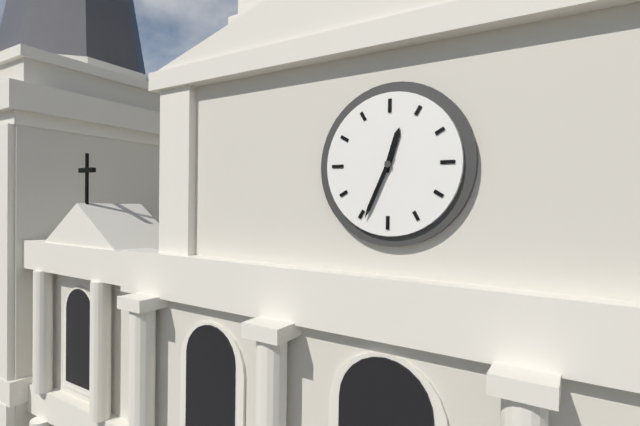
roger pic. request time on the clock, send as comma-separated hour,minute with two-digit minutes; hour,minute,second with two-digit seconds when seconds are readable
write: 12,34
